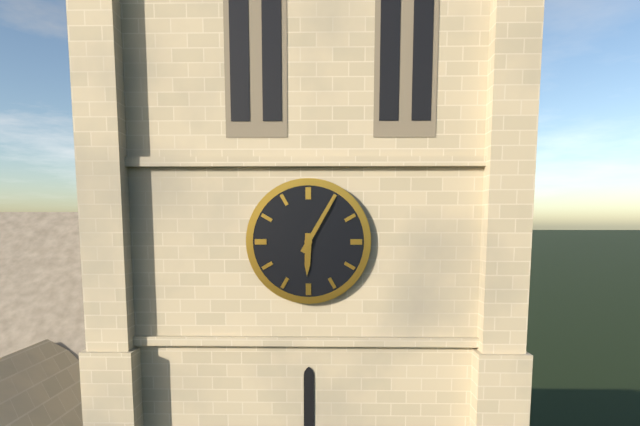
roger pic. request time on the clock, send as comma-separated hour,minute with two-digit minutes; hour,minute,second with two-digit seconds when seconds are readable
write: 6,05
